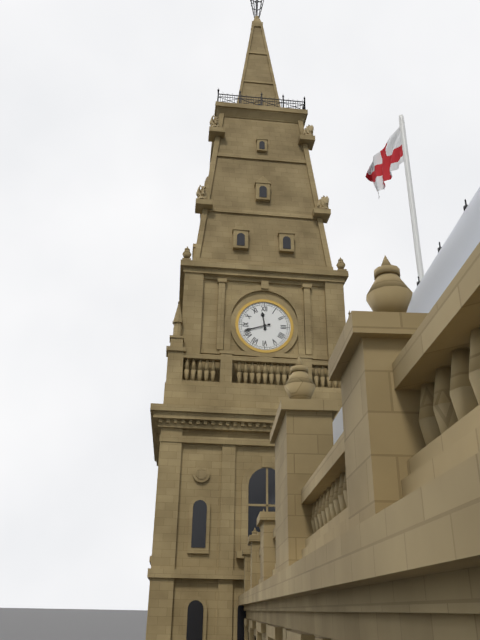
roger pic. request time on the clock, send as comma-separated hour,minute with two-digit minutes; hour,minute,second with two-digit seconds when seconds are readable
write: 11,42
